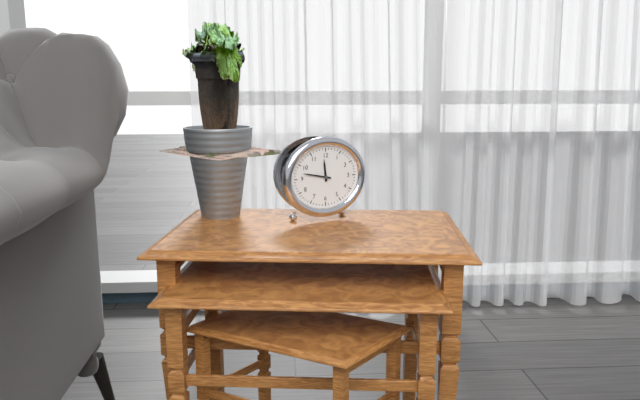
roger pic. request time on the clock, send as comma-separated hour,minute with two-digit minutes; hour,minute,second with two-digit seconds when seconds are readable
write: 11,47
